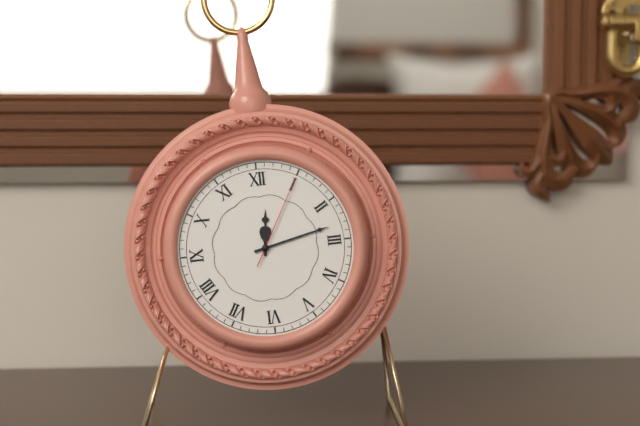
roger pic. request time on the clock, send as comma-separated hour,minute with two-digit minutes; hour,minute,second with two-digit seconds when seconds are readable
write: 12,13,05
